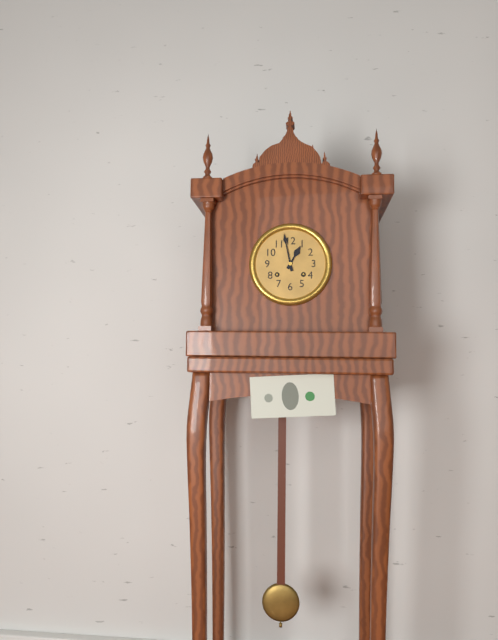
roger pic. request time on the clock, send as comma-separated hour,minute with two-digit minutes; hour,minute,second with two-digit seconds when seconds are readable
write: 12,58
